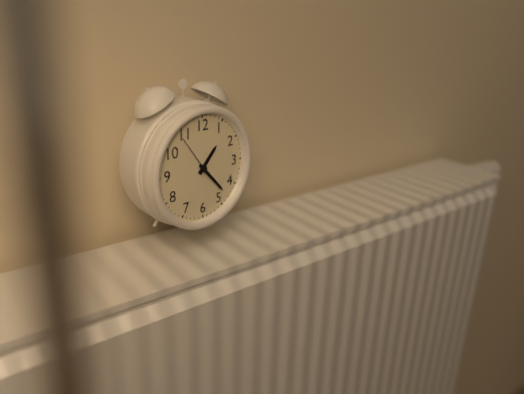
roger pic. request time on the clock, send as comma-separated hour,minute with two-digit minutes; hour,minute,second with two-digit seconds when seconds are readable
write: 1,23
